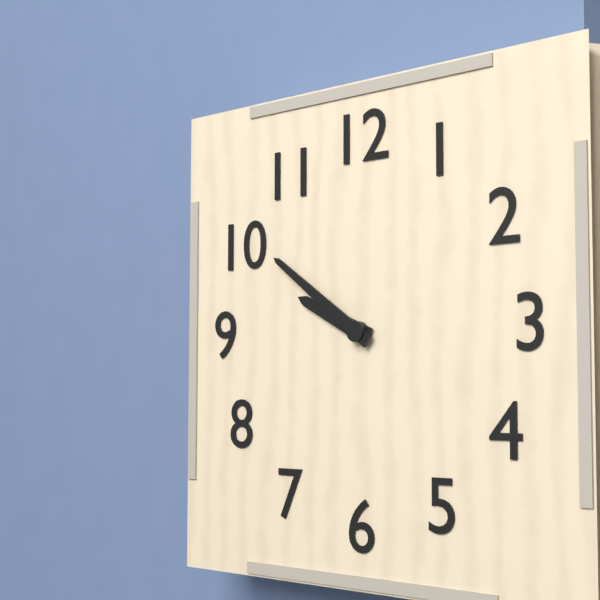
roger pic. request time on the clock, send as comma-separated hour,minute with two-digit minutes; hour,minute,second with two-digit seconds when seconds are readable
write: 9,51
